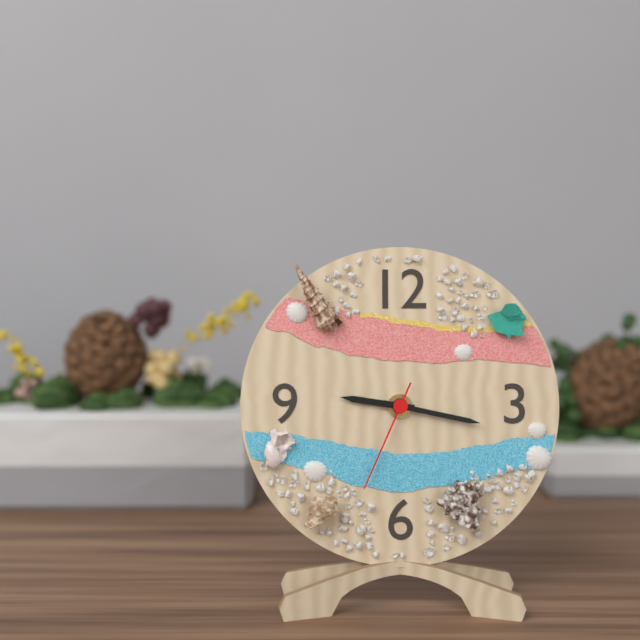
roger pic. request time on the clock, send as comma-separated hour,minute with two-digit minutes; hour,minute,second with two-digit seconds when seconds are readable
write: 9,17,34
